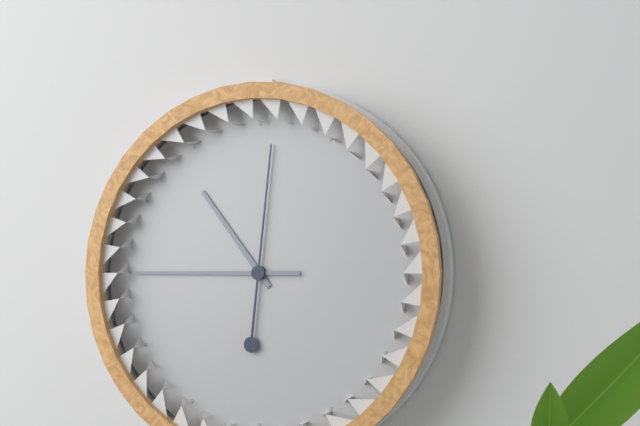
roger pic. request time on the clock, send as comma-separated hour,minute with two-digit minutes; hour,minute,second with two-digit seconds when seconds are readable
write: 10,45,01
